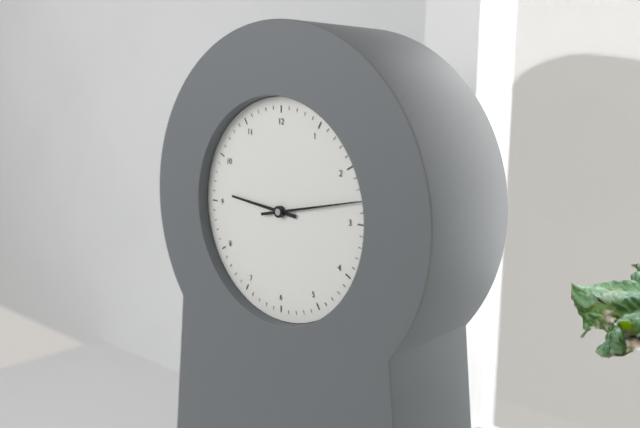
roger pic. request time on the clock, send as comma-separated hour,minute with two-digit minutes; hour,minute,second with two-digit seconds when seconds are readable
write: 9,13
